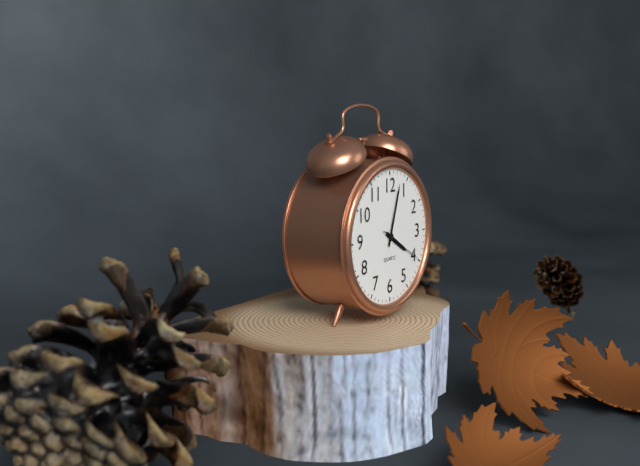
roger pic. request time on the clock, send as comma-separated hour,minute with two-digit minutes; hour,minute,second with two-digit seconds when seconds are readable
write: 4,03
